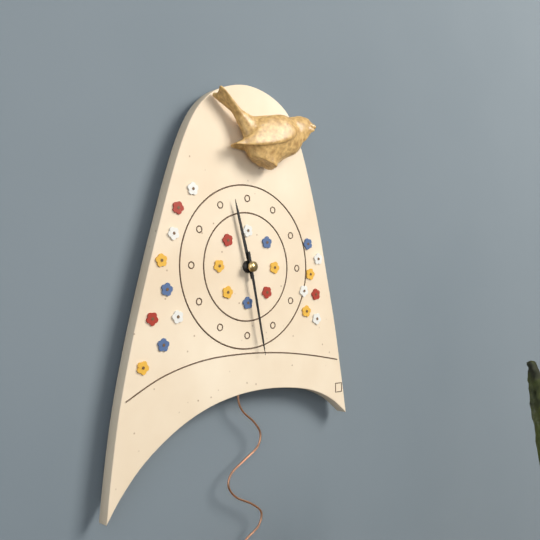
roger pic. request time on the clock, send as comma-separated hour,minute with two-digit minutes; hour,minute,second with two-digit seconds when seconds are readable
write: 11,28
